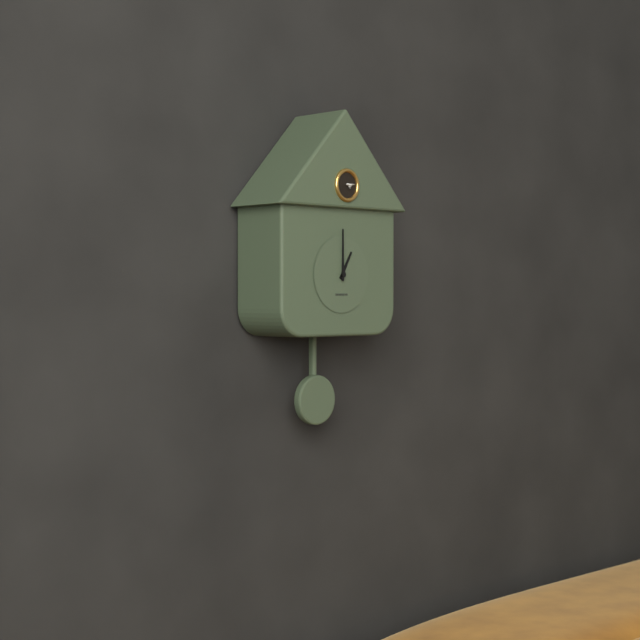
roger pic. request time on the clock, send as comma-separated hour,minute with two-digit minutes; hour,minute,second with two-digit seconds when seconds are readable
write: 1,00
